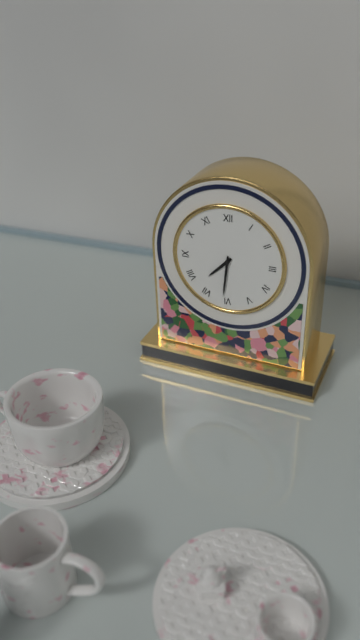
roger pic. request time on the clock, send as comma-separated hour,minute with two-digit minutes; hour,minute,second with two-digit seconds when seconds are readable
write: 7,31
